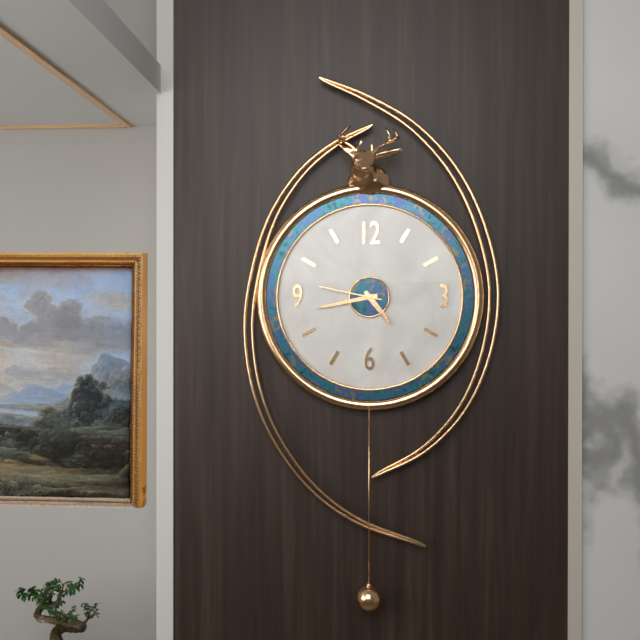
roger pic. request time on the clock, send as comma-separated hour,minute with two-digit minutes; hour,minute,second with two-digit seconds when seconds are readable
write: 4,43,47
